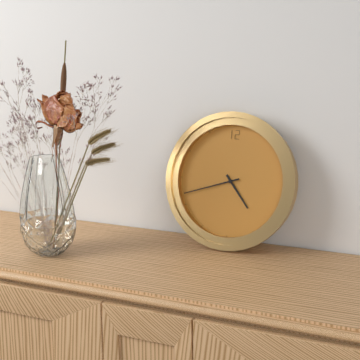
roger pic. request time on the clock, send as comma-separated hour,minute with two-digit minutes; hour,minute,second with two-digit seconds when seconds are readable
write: 4,42
